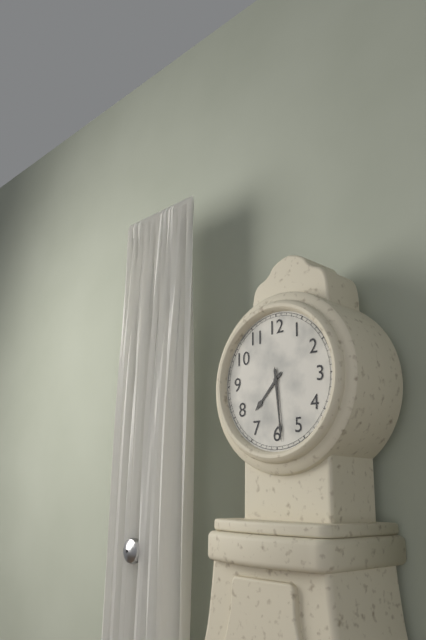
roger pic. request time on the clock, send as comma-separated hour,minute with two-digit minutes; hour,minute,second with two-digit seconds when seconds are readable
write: 7,29
